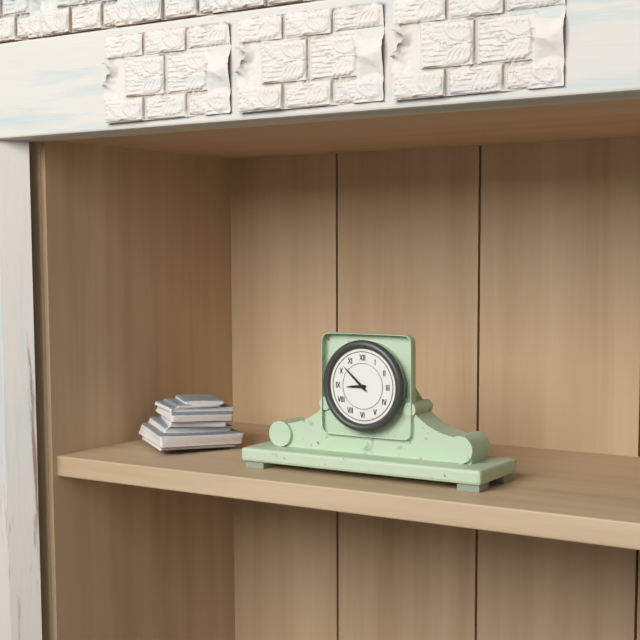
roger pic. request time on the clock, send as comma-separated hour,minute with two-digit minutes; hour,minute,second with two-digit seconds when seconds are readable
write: 8,52
